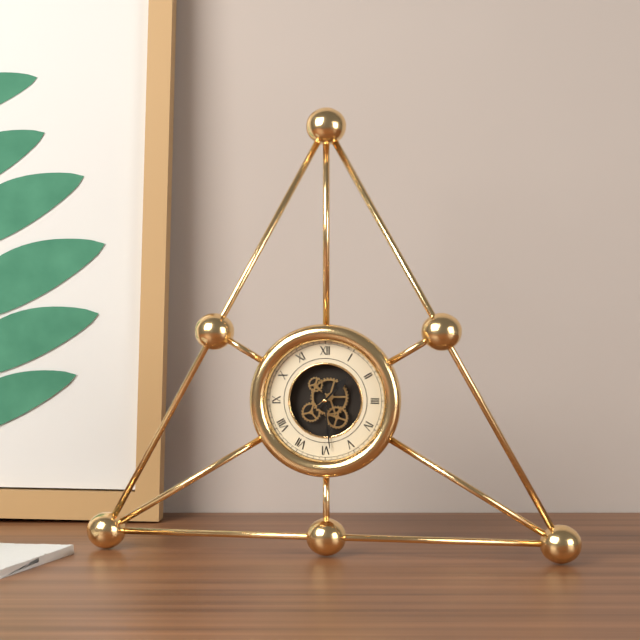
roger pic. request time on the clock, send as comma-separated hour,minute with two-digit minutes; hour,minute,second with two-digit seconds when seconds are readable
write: 1,29
